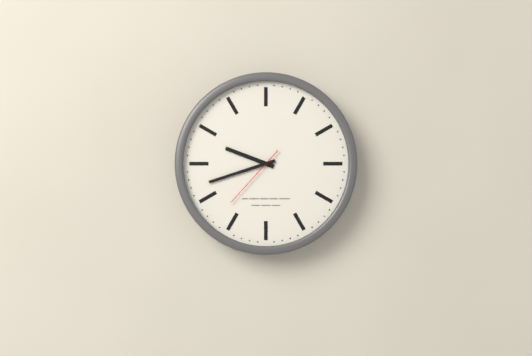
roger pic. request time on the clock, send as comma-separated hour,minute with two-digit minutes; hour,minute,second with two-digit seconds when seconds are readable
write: 9,42,37
